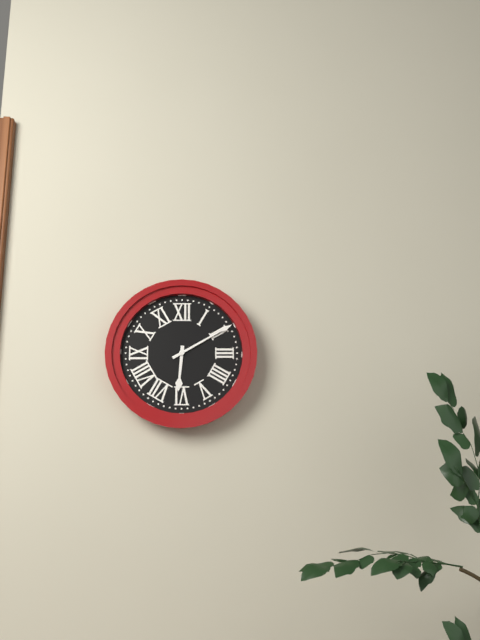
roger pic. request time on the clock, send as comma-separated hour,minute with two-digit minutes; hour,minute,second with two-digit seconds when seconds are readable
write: 6,10
